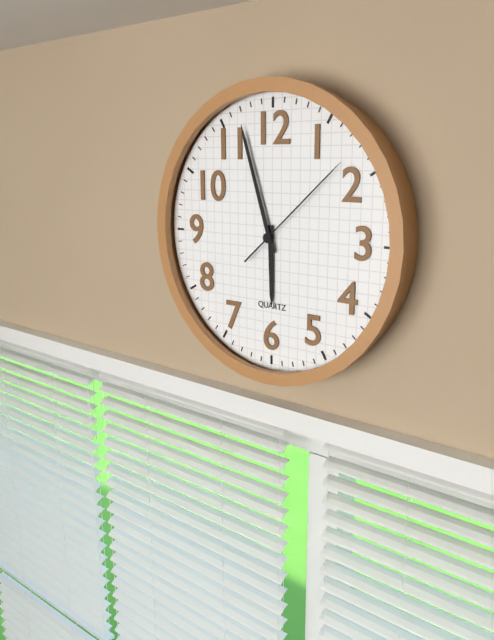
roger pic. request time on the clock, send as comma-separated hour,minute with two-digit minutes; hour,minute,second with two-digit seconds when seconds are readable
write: 5,57,08
